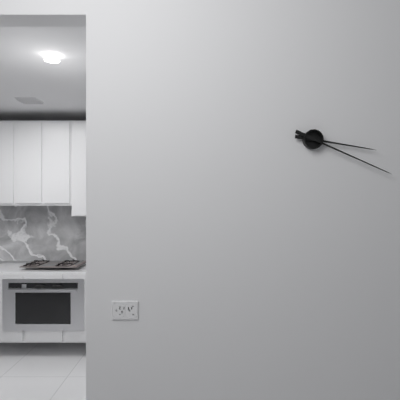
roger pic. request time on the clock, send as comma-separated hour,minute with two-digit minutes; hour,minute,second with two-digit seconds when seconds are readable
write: 3,19
